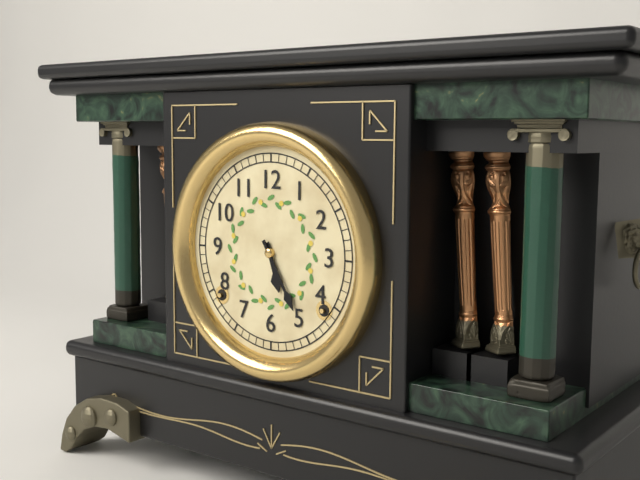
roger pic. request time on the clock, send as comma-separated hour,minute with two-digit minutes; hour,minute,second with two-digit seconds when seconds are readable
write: 5,25
